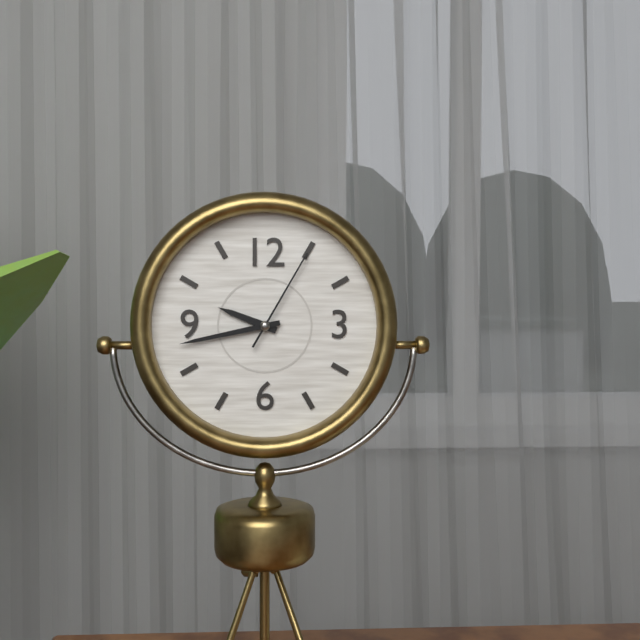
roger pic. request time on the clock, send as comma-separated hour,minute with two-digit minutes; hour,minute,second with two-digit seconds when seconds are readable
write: 9,43,05
